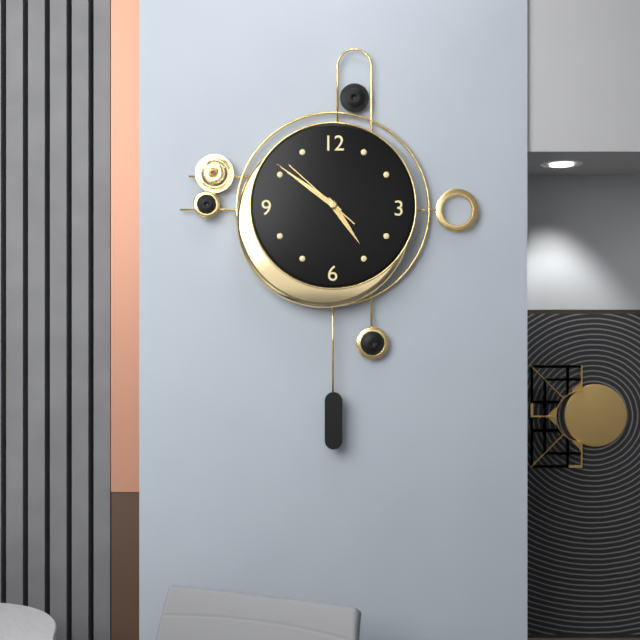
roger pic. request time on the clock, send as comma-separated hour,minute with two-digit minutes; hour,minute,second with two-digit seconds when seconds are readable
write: 4,51,52
